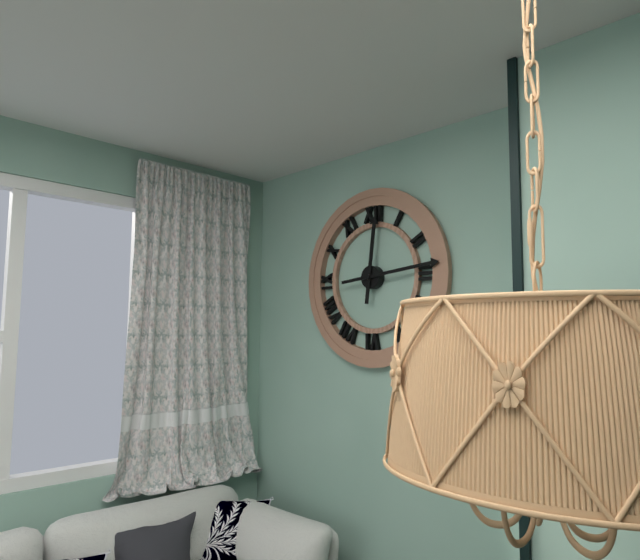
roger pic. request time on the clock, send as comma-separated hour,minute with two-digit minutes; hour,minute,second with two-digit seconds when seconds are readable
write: 12,14
